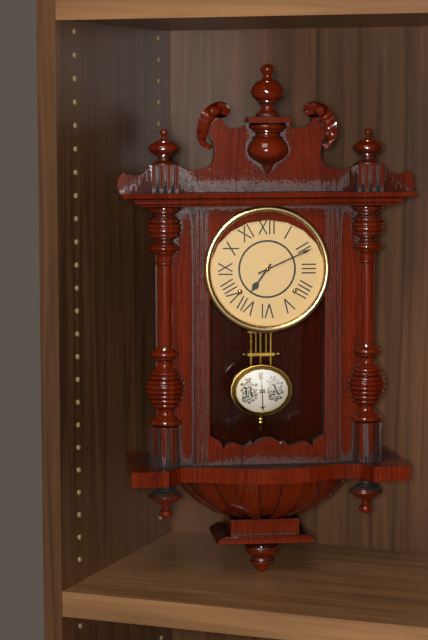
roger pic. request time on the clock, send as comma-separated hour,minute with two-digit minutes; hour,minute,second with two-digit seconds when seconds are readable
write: 7,11
